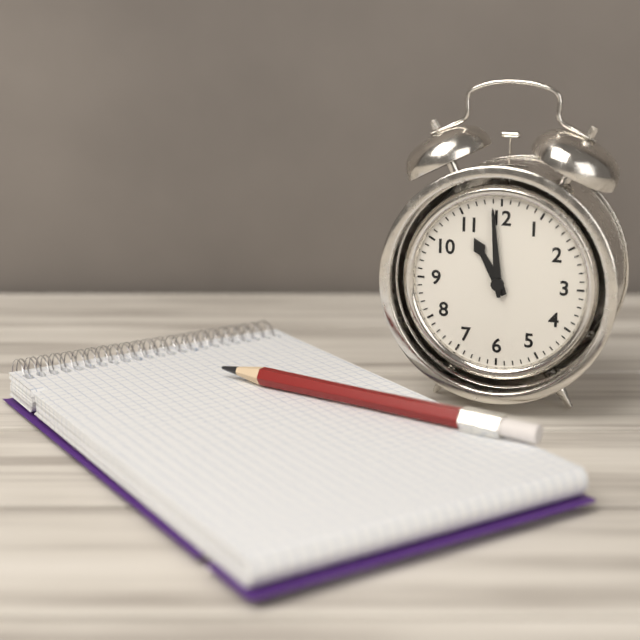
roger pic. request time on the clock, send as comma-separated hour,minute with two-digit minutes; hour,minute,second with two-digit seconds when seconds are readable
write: 10,59
